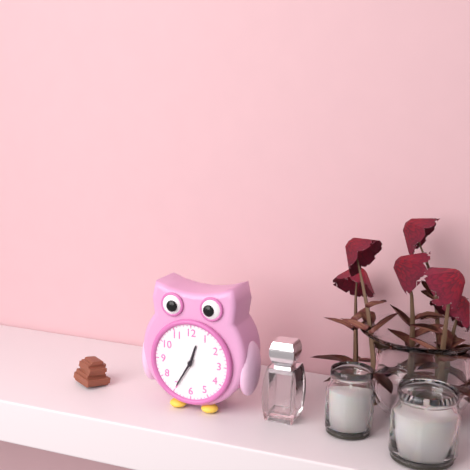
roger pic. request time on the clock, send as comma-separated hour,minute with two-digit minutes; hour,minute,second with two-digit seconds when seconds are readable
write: 12,35
